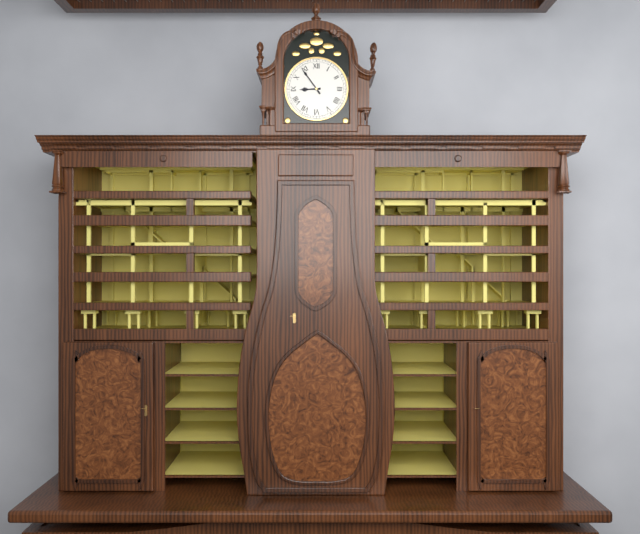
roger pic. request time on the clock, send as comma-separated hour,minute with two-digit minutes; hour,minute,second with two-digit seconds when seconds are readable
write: 8,54
